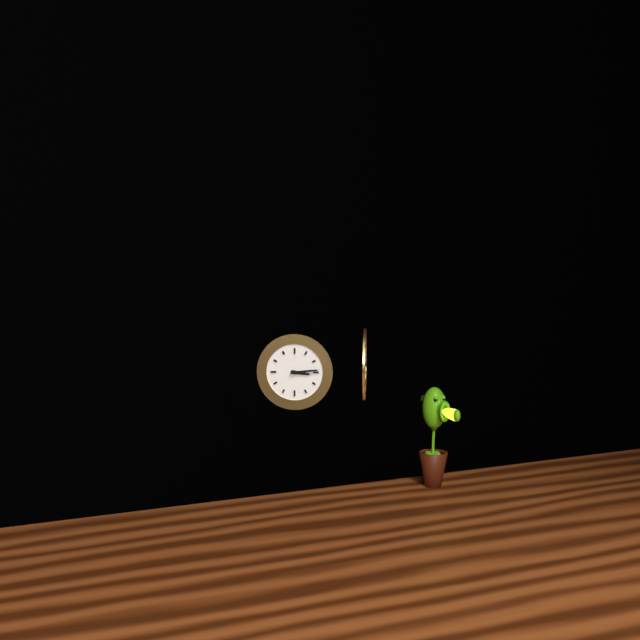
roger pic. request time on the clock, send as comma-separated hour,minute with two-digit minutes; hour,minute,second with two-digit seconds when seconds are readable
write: 3,14
